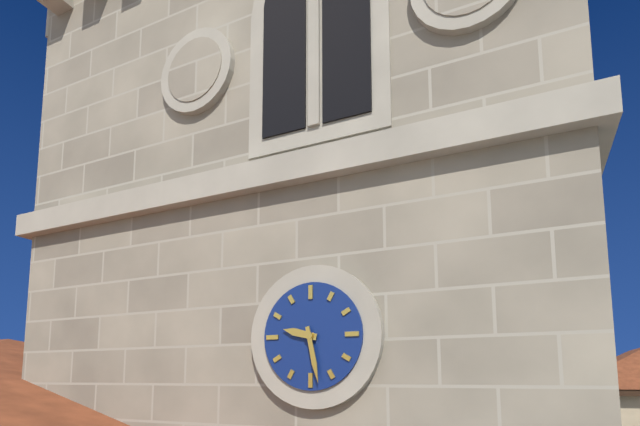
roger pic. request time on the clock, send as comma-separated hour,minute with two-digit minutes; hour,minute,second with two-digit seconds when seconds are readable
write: 9,28
